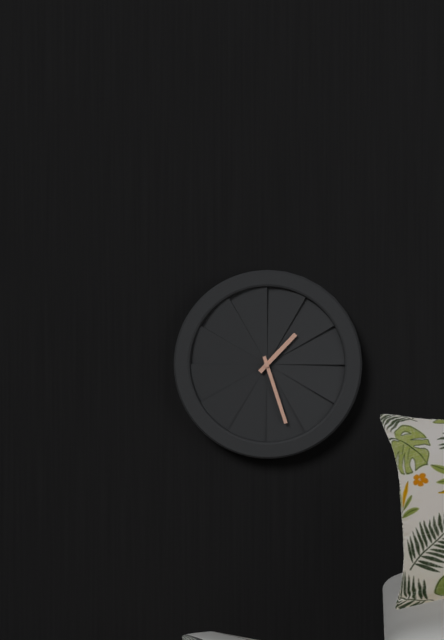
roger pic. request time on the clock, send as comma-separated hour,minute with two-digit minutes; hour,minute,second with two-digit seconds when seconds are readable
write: 1,27
